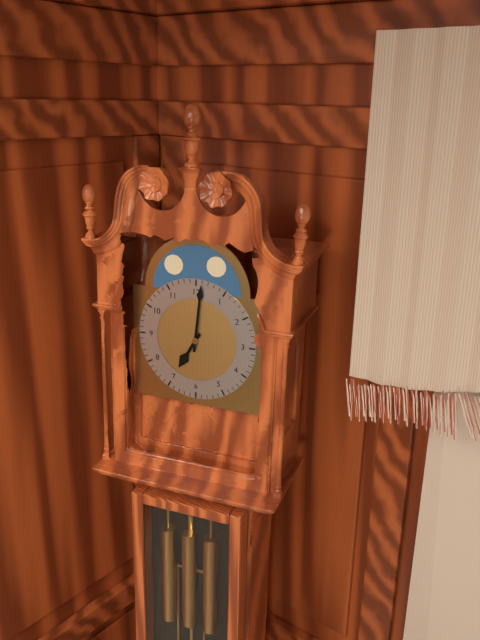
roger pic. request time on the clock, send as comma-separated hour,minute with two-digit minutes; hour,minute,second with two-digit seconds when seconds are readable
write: 7,01
